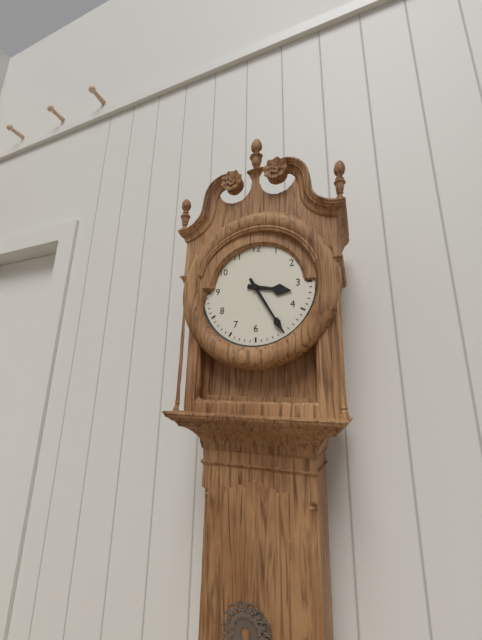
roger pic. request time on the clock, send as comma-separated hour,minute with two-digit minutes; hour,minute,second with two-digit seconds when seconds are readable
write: 3,25
